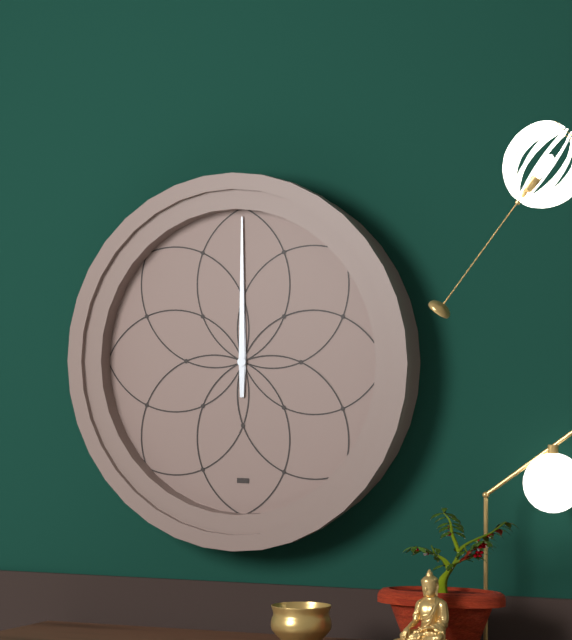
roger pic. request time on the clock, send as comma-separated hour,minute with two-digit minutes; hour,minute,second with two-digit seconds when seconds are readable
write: 12,00
